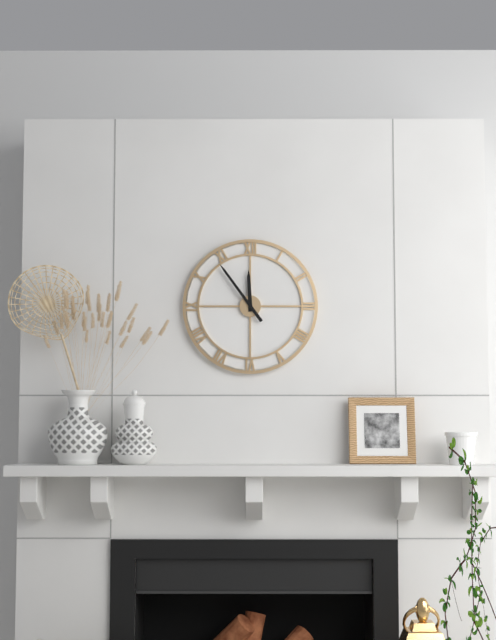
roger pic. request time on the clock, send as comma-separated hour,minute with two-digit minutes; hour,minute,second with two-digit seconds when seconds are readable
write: 11,54
